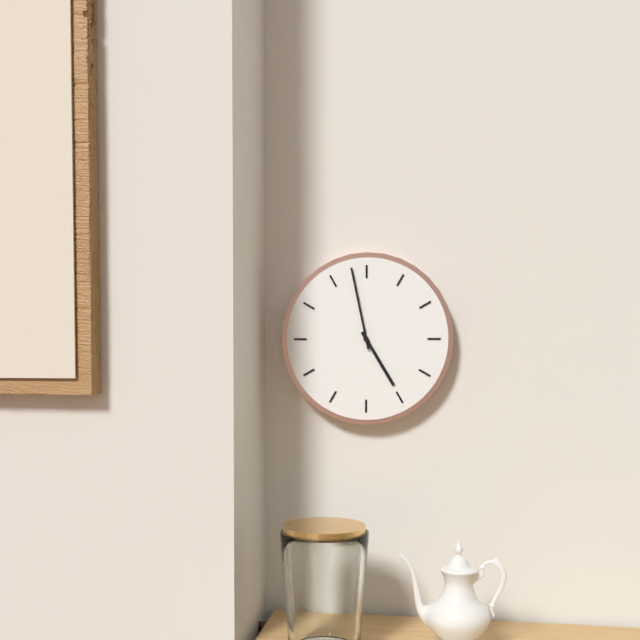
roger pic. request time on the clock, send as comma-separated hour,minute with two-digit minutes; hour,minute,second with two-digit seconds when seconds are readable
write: 4,58
